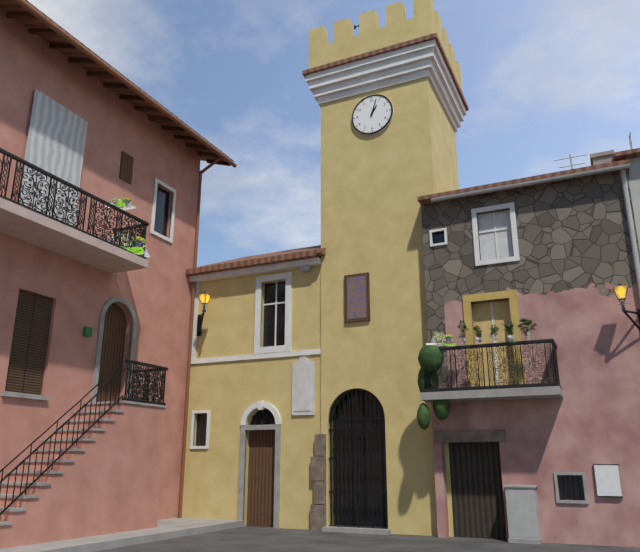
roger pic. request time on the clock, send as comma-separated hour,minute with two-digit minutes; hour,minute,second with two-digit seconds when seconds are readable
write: 1,03
